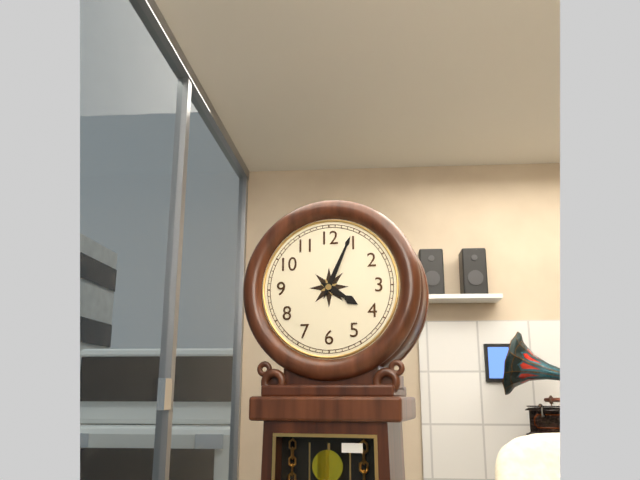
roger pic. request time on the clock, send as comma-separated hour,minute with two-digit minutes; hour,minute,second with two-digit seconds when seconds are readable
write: 4,04
